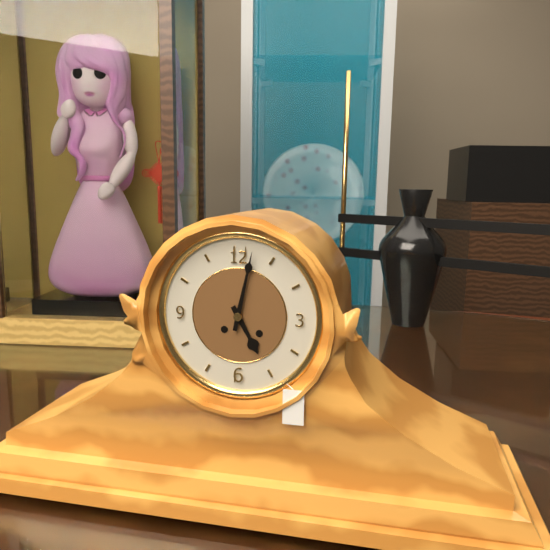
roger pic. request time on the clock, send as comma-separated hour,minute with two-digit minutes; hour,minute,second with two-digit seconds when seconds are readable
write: 5,02
